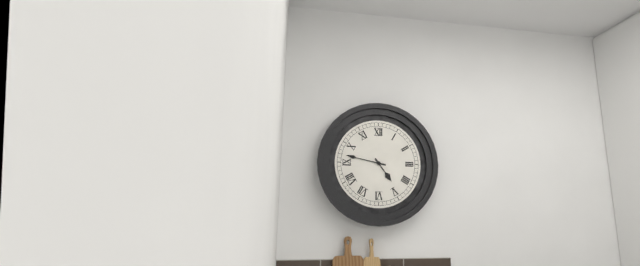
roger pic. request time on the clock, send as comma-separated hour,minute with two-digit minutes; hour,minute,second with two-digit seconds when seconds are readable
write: 4,47
